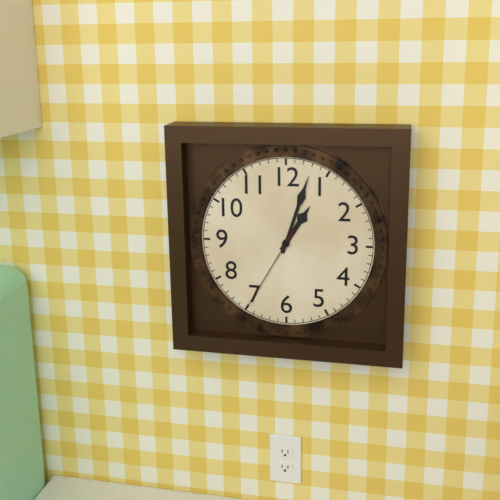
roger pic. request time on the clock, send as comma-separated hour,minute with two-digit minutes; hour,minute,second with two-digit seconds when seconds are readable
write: 1,03,35
